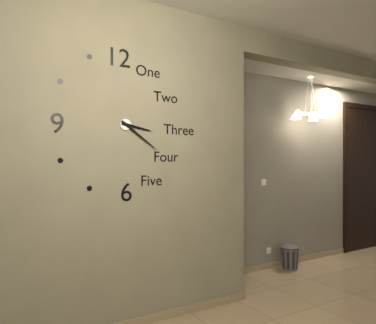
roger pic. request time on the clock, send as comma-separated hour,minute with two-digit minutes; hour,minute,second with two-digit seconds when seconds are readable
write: 3,21
